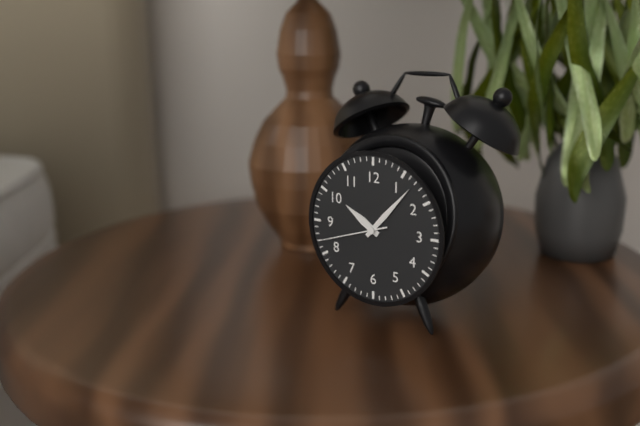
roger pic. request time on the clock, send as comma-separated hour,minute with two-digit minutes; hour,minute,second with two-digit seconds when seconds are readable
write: 10,07,42
